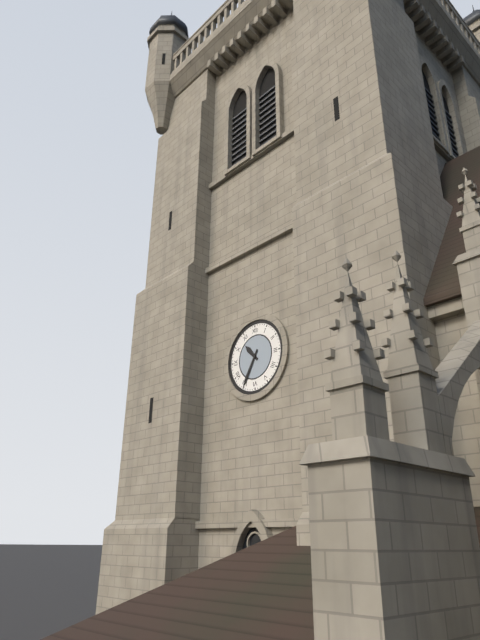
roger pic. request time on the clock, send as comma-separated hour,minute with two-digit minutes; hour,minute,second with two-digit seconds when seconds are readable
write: 10,35
